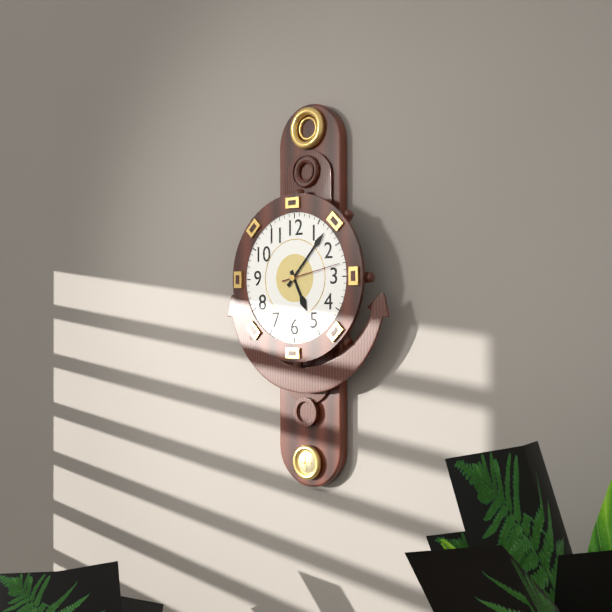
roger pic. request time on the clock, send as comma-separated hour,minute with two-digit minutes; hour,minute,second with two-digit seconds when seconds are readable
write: 5,07,13
